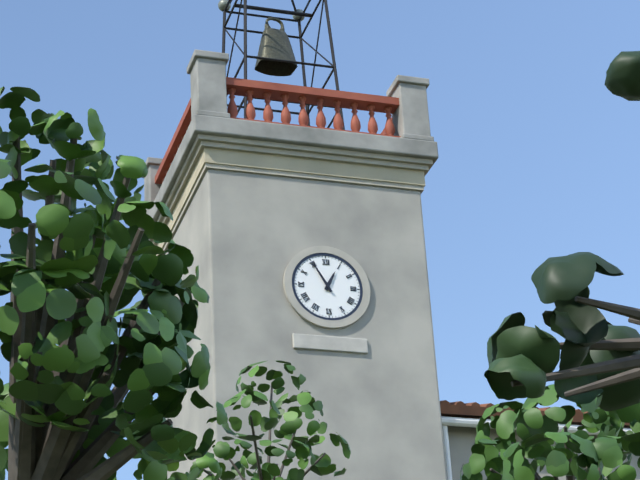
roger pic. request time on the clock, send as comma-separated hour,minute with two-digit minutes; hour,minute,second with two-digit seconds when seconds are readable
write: 12,55
